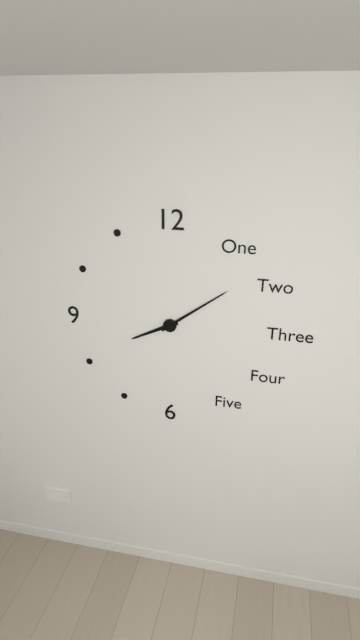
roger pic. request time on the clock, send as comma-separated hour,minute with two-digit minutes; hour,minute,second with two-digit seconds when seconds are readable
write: 8,09
